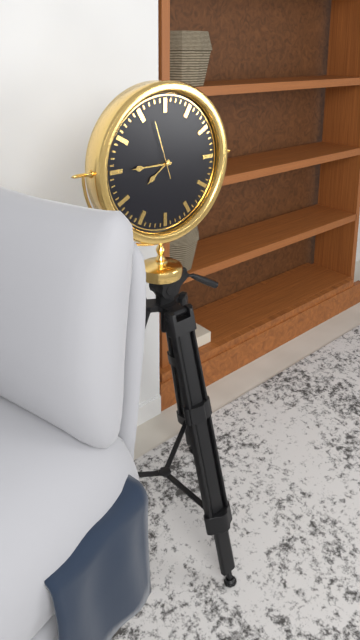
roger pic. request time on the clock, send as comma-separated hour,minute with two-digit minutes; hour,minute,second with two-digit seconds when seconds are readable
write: 7,45,57
